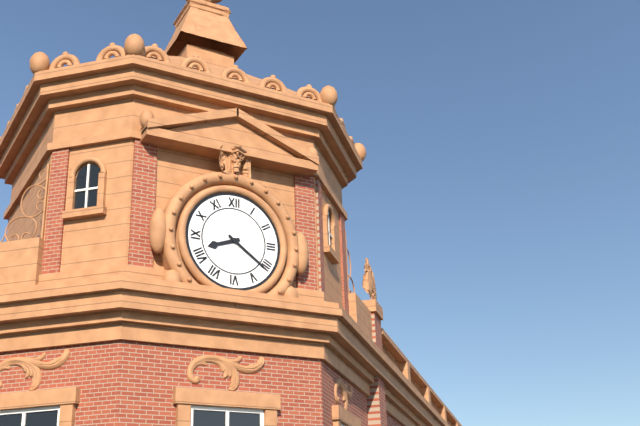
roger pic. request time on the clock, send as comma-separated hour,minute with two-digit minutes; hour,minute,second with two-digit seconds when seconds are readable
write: 8,21
